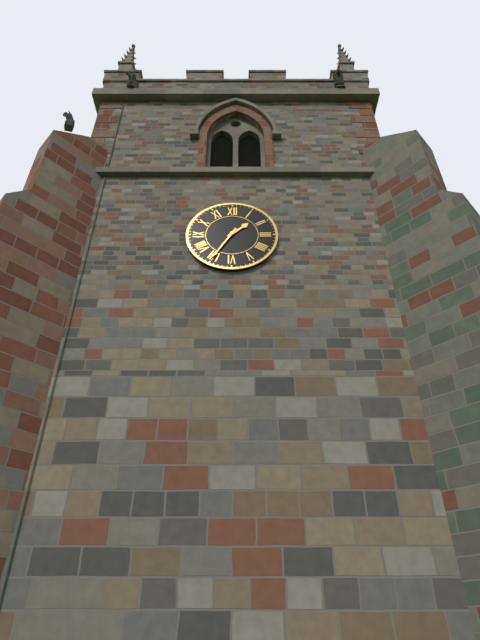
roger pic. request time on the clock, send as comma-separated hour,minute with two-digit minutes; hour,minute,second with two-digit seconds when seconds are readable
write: 1,35
